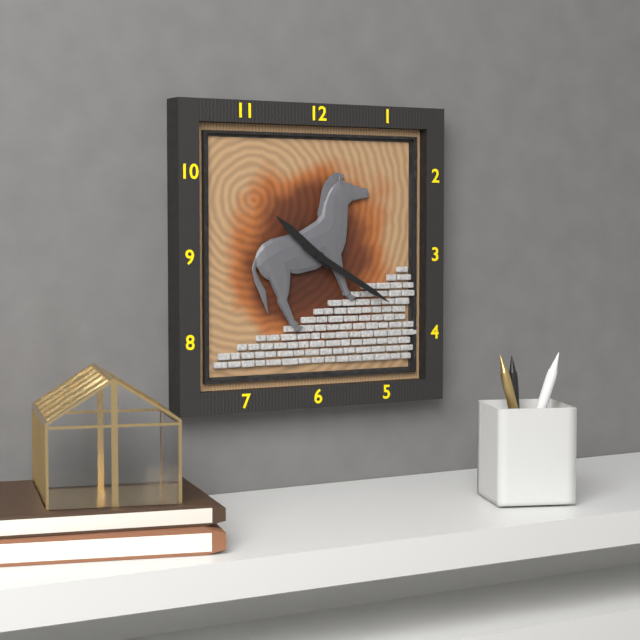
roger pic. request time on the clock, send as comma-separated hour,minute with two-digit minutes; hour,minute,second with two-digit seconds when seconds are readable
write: 10,20
